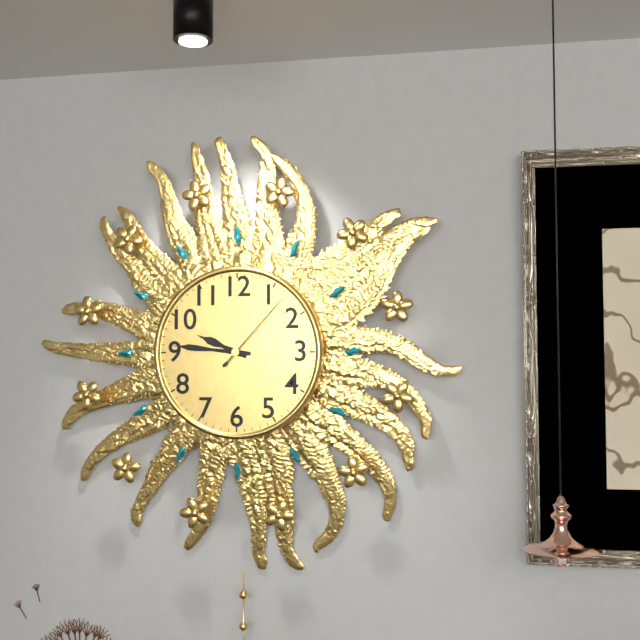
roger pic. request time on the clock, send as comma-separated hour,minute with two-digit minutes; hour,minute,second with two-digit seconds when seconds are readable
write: 9,46,07
